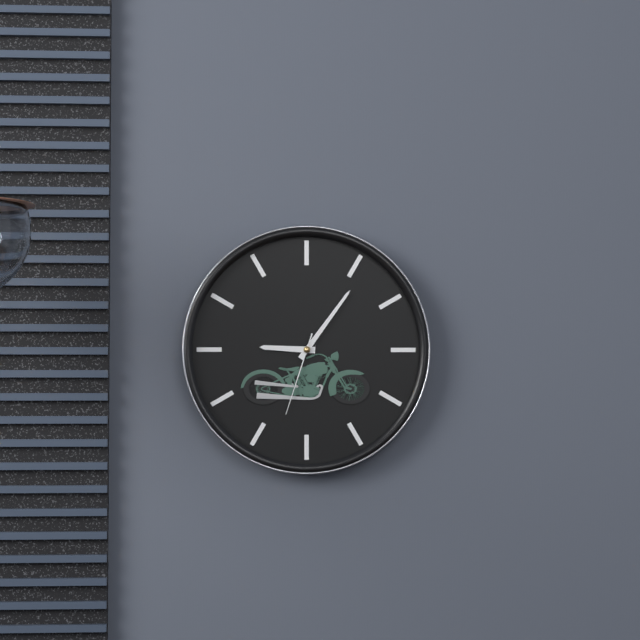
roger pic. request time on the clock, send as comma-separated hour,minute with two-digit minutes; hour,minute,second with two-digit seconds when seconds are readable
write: 9,06,33
